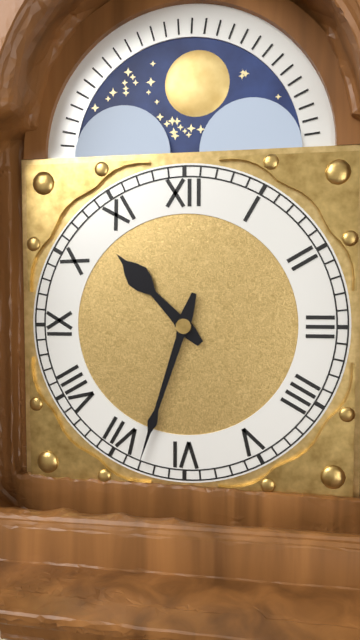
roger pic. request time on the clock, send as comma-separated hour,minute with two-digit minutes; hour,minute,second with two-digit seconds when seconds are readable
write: 10,33
